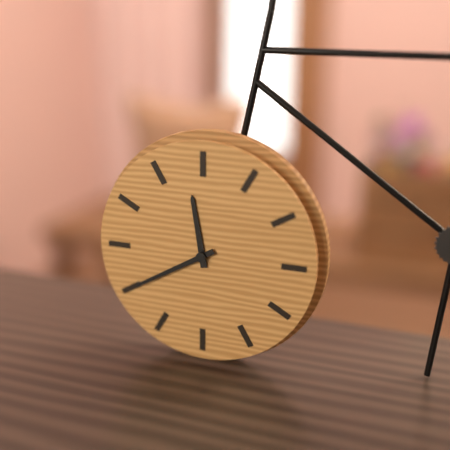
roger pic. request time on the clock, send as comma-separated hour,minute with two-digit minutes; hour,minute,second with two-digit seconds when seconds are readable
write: 11,40
